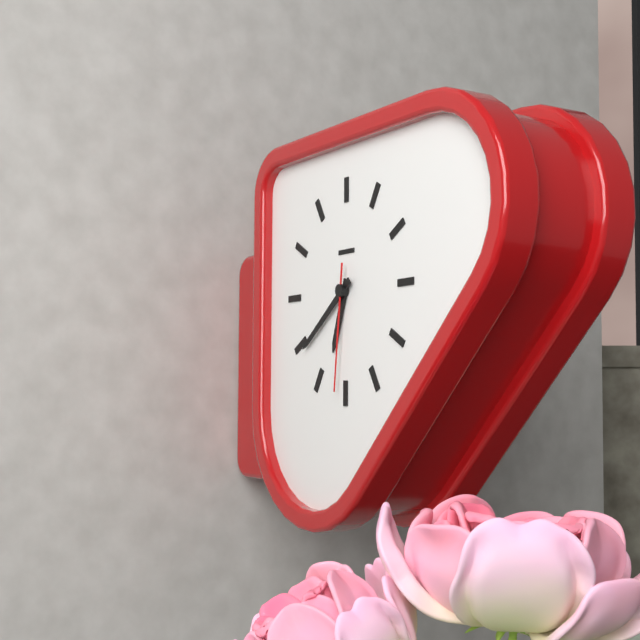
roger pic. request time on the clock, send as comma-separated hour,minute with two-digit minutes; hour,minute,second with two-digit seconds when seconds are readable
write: 6,39,31
